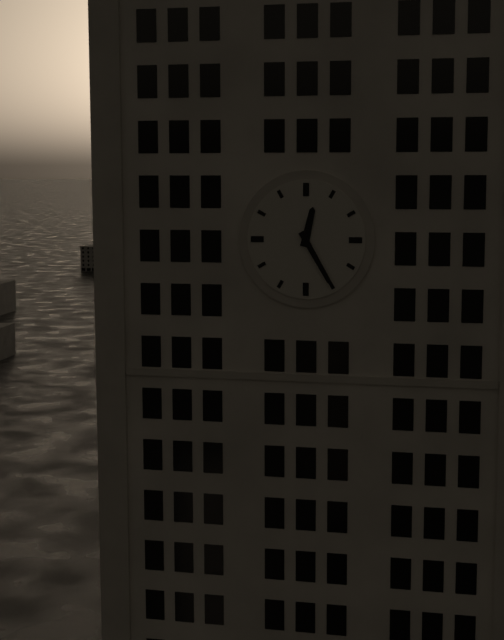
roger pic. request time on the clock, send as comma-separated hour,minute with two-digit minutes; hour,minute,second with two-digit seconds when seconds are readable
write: 12,25
